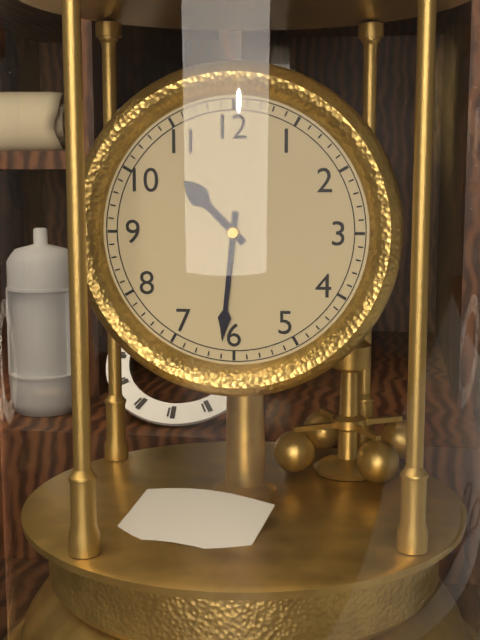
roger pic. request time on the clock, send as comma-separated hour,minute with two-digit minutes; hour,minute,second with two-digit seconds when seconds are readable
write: 10,31
